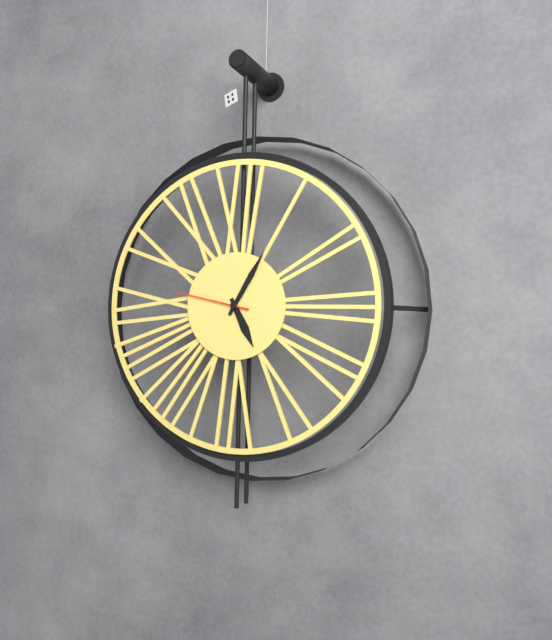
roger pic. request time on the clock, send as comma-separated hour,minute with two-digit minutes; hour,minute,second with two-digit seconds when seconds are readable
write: 5,05,47
